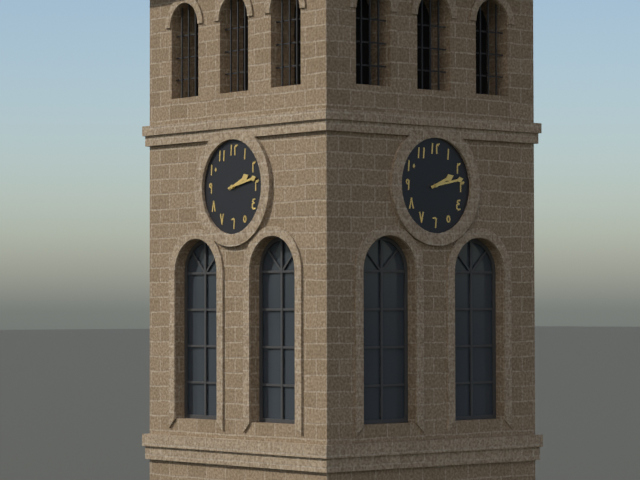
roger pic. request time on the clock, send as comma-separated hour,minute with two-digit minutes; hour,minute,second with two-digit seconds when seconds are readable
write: 2,13
